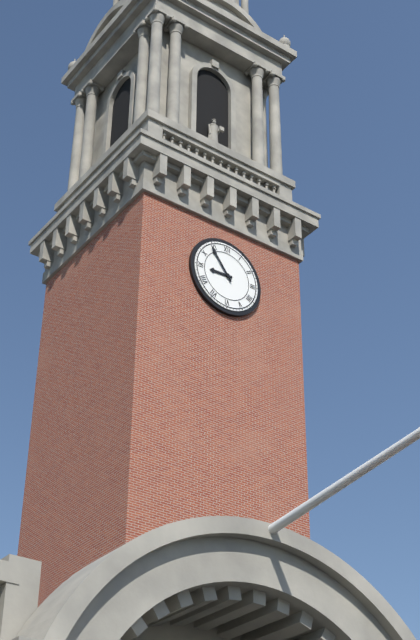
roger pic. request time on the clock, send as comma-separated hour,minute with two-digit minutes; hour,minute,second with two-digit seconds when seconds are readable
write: 8,54
